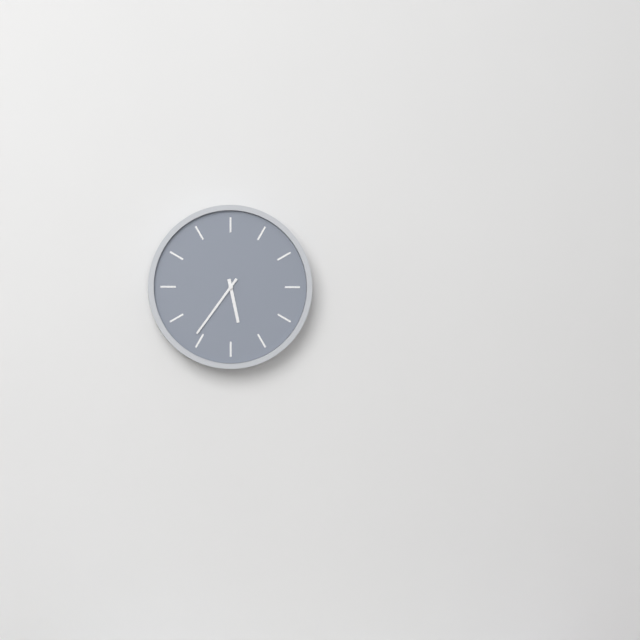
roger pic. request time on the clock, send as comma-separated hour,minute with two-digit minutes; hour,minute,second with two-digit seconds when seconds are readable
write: 5,36
